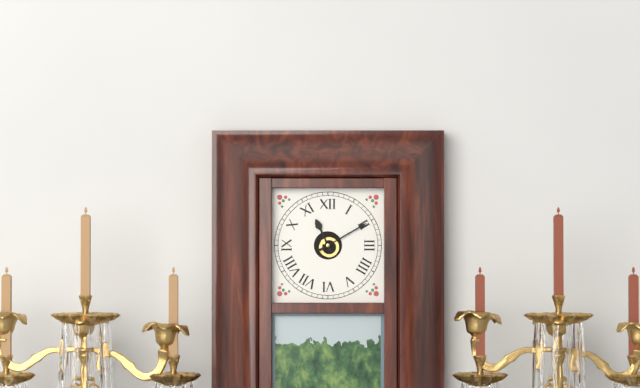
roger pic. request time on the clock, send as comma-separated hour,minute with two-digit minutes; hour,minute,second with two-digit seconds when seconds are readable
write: 11,10
